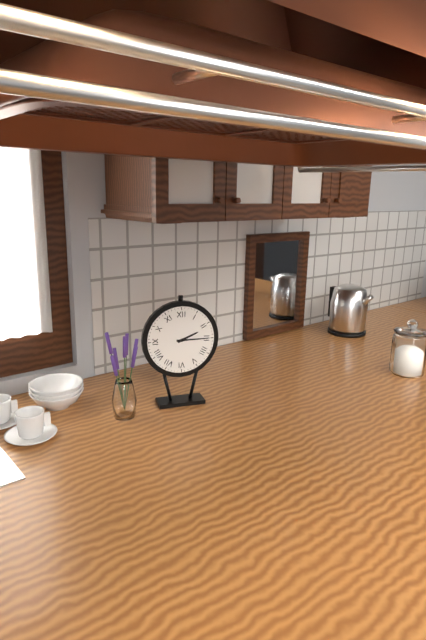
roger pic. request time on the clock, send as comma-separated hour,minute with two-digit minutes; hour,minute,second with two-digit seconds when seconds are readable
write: 2,15
